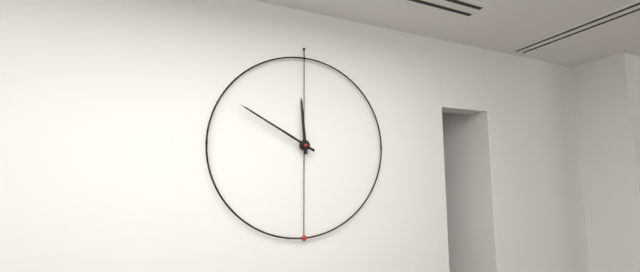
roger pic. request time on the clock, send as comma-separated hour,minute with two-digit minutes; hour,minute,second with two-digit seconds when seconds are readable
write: 11,50
